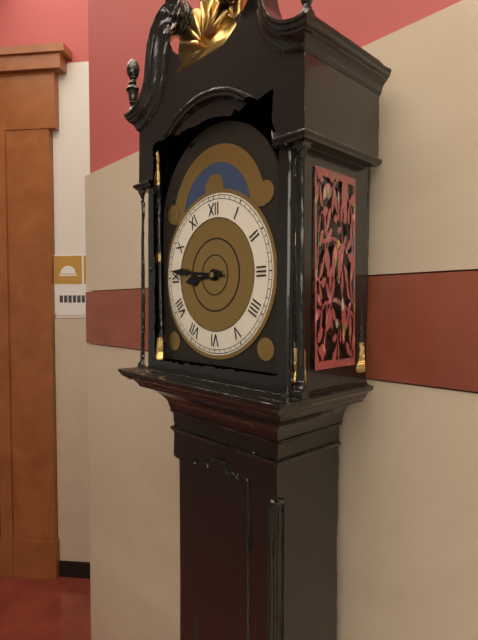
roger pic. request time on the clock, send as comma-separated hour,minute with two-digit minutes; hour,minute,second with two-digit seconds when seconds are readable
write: 8,46
